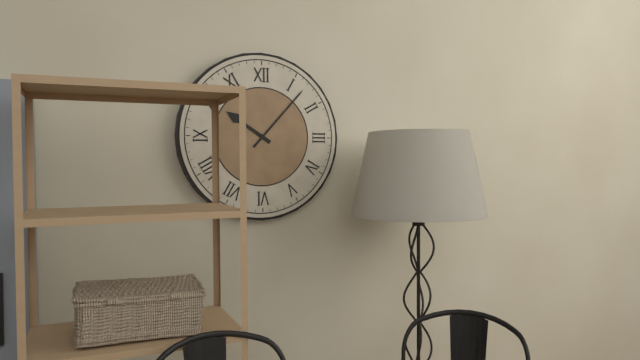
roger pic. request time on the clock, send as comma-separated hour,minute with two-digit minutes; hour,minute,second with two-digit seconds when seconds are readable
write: 10,07
